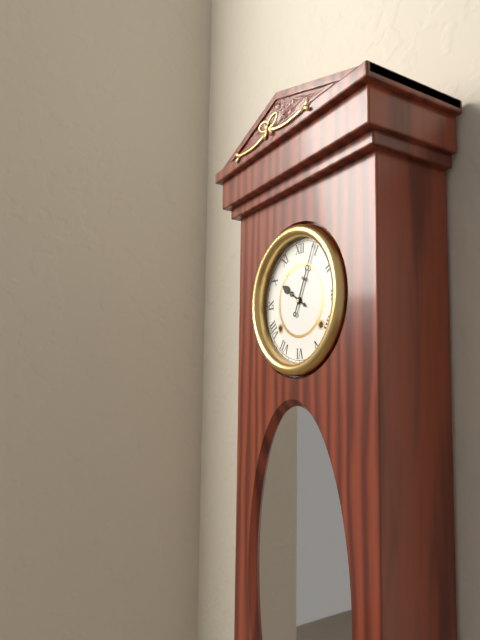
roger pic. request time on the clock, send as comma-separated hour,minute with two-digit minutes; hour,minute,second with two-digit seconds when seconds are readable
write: 10,04
